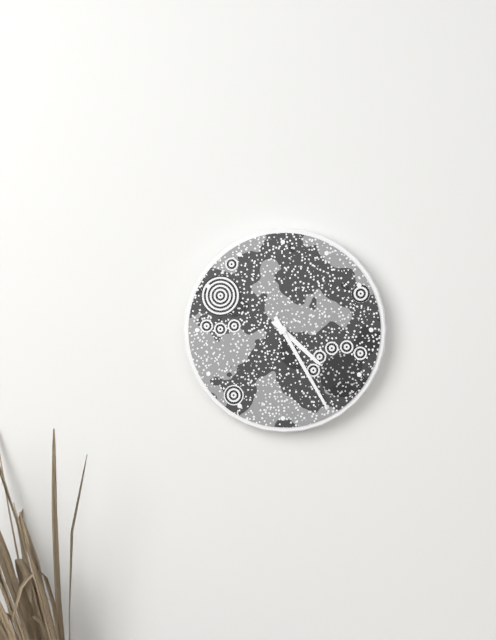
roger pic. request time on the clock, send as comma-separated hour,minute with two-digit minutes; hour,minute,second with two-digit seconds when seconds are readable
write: 4,25
